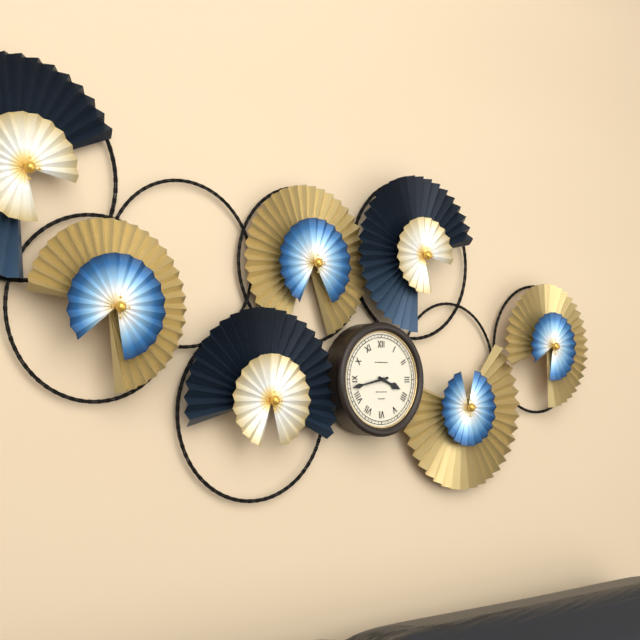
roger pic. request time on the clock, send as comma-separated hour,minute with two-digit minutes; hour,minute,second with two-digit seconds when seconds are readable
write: 3,43
